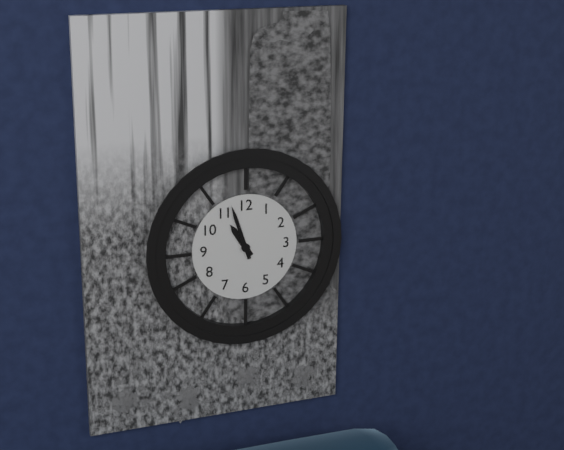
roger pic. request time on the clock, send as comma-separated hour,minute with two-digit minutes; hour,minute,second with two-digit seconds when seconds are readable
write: 10,57
